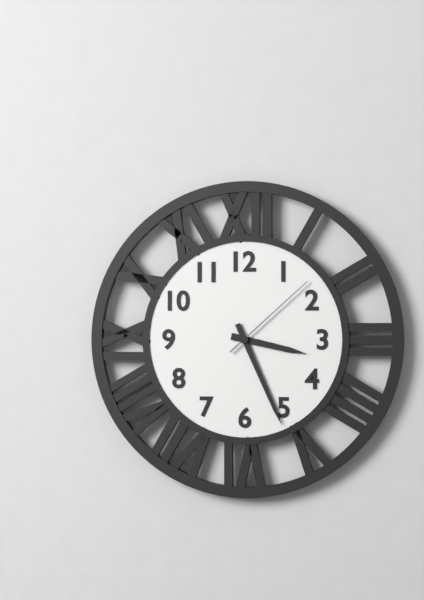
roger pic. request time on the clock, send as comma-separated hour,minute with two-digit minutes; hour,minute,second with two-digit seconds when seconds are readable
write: 3,26,08
